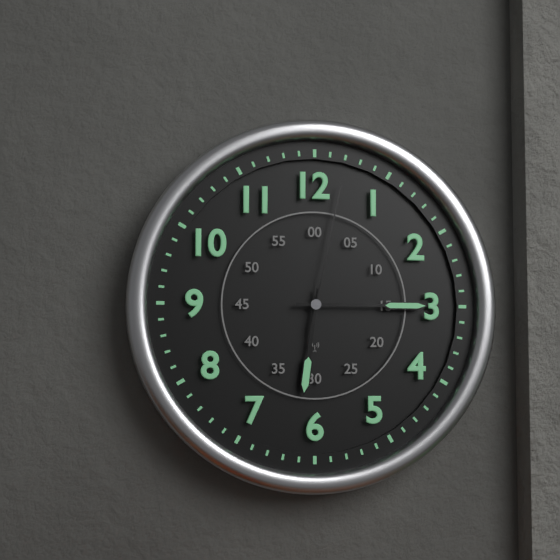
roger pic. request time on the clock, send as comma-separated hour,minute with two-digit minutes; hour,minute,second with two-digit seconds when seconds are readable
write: 6,15,02
